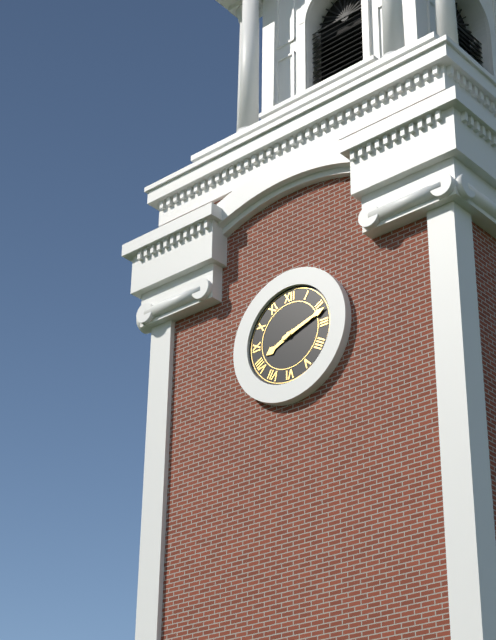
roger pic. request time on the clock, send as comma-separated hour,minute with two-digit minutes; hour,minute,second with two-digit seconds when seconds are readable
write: 8,12
